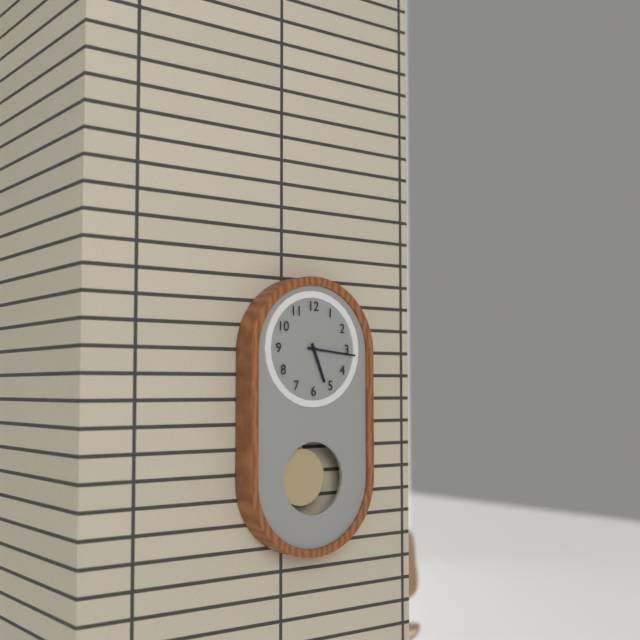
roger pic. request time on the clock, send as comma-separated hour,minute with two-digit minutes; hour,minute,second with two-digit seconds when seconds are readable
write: 5,16
